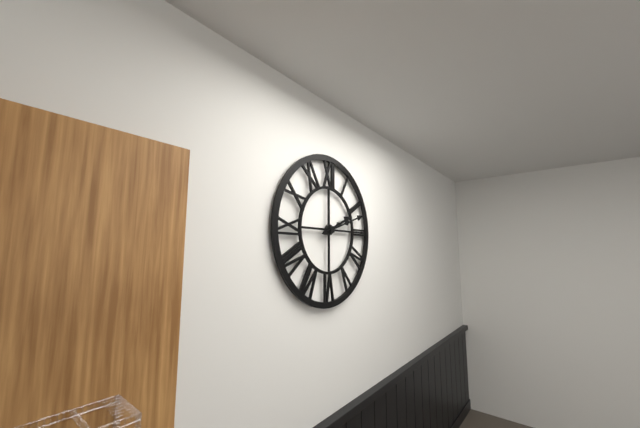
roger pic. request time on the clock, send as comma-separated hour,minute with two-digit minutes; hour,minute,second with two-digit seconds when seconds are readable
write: 2,12
